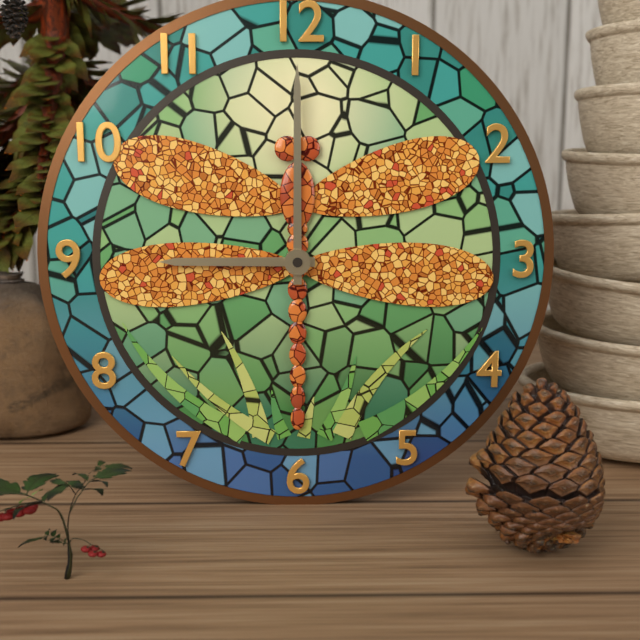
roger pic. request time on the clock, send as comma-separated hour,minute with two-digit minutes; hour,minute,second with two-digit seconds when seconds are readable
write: 9,00
